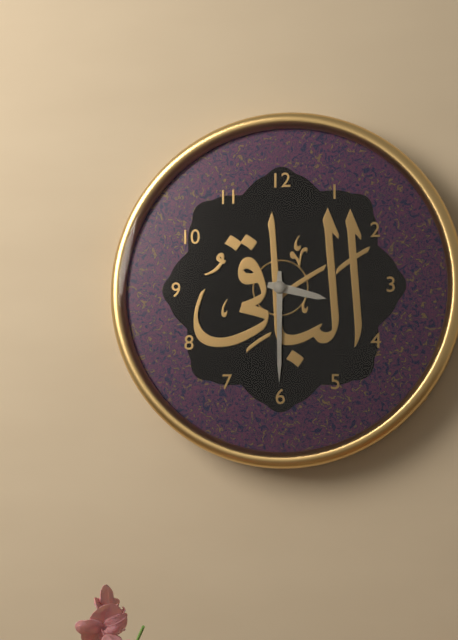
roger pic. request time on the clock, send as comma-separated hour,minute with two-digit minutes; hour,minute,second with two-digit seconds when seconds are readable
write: 3,30
